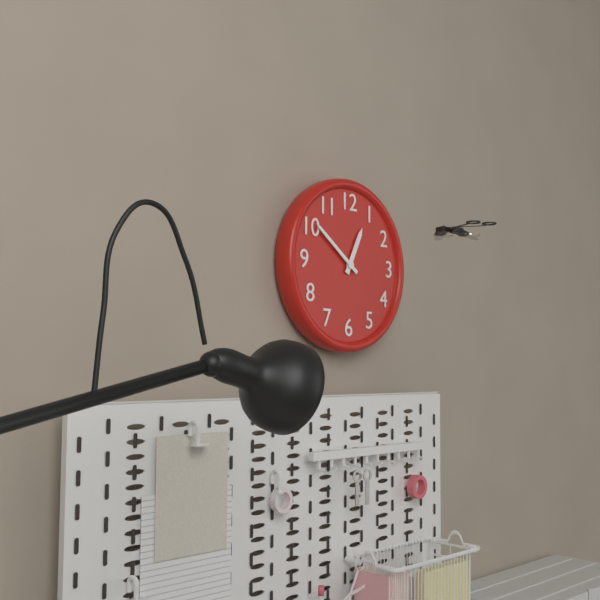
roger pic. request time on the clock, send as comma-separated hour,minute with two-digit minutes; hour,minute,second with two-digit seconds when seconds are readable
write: 12,51
